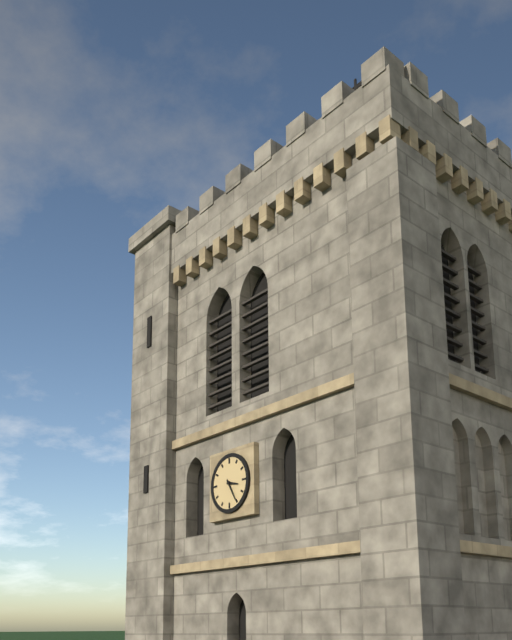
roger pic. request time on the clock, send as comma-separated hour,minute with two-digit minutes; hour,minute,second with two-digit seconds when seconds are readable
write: 3,25
